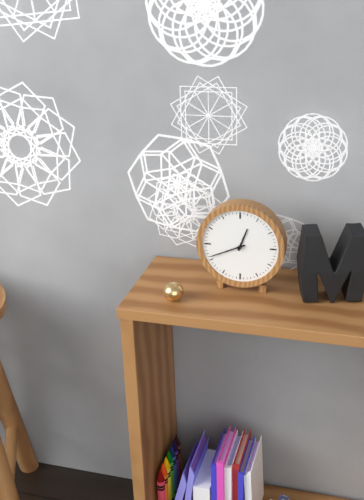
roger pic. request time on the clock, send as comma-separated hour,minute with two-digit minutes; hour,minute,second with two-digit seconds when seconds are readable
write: 12,41
